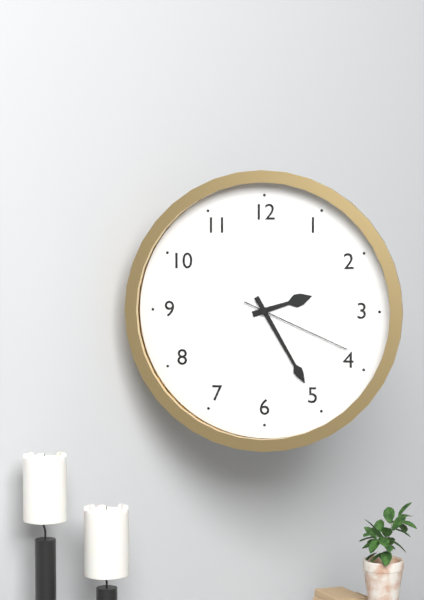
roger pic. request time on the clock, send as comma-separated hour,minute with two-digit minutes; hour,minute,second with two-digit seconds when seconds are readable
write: 2,25,19
